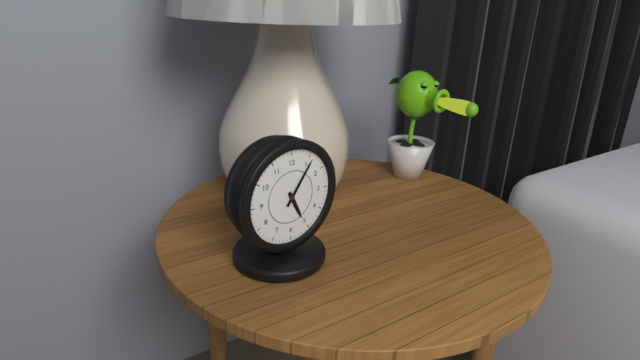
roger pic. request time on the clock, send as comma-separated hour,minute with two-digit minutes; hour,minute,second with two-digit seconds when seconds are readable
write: 5,06
